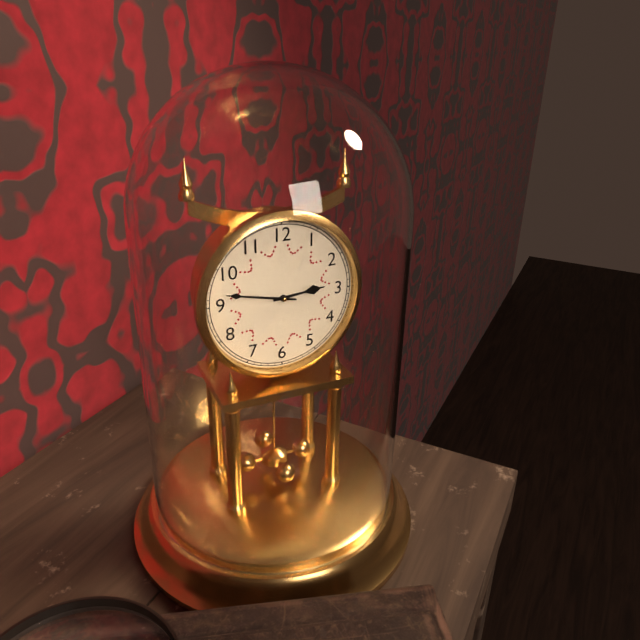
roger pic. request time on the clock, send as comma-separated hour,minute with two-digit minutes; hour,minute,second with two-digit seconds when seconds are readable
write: 2,47
